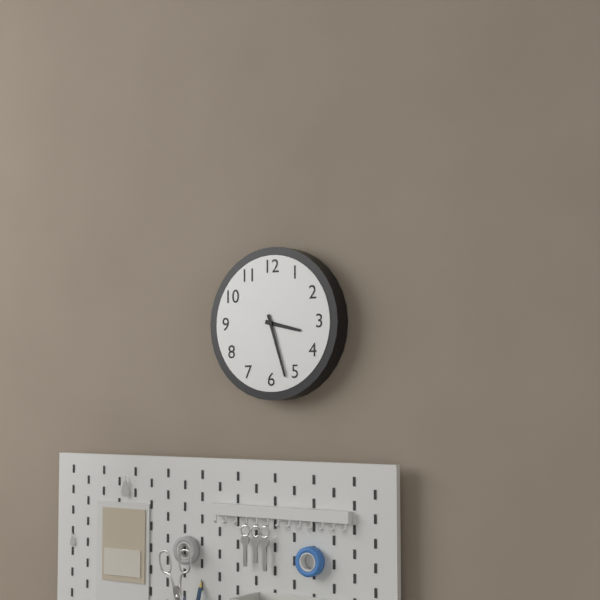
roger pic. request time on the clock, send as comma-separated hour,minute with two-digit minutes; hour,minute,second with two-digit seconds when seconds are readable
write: 3,27
